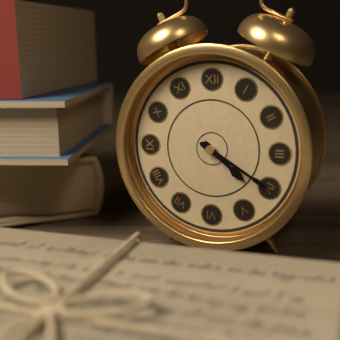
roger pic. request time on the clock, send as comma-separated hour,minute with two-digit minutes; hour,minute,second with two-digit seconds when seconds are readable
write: 4,20
